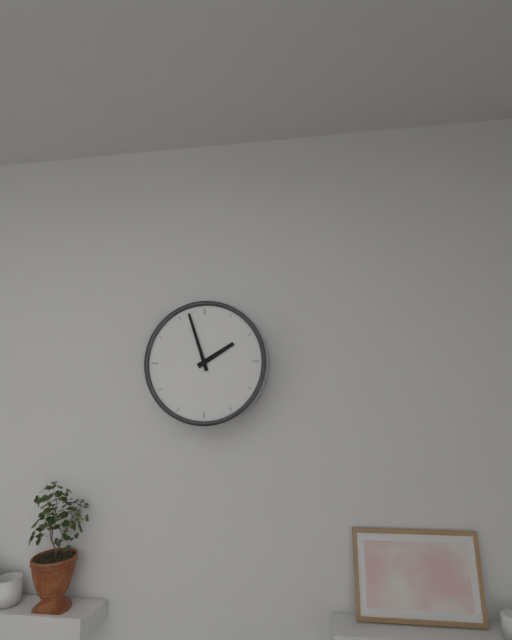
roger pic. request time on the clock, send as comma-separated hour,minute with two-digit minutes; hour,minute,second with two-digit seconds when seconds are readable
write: 1,57
